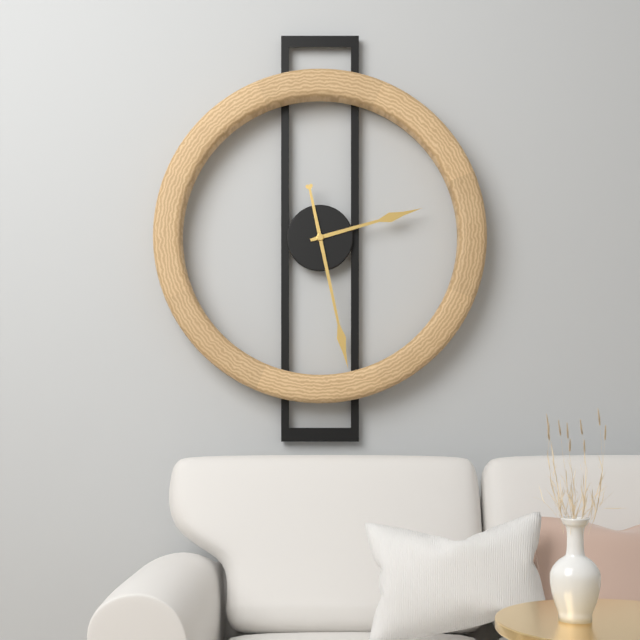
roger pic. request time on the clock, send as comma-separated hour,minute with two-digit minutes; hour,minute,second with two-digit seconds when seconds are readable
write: 2,28
